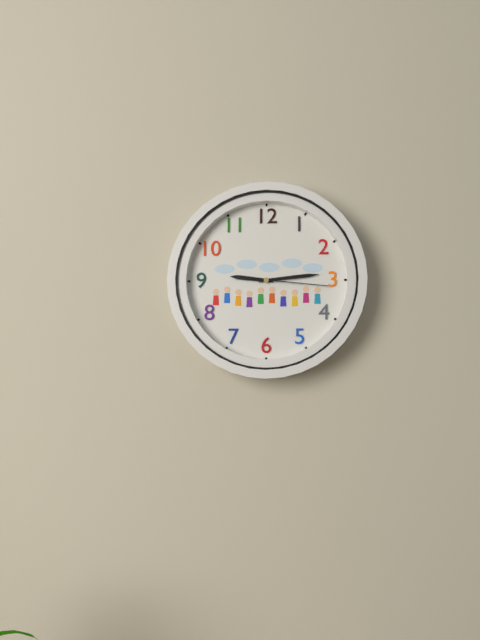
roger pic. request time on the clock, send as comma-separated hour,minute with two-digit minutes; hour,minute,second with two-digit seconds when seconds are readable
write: 9,14,16
